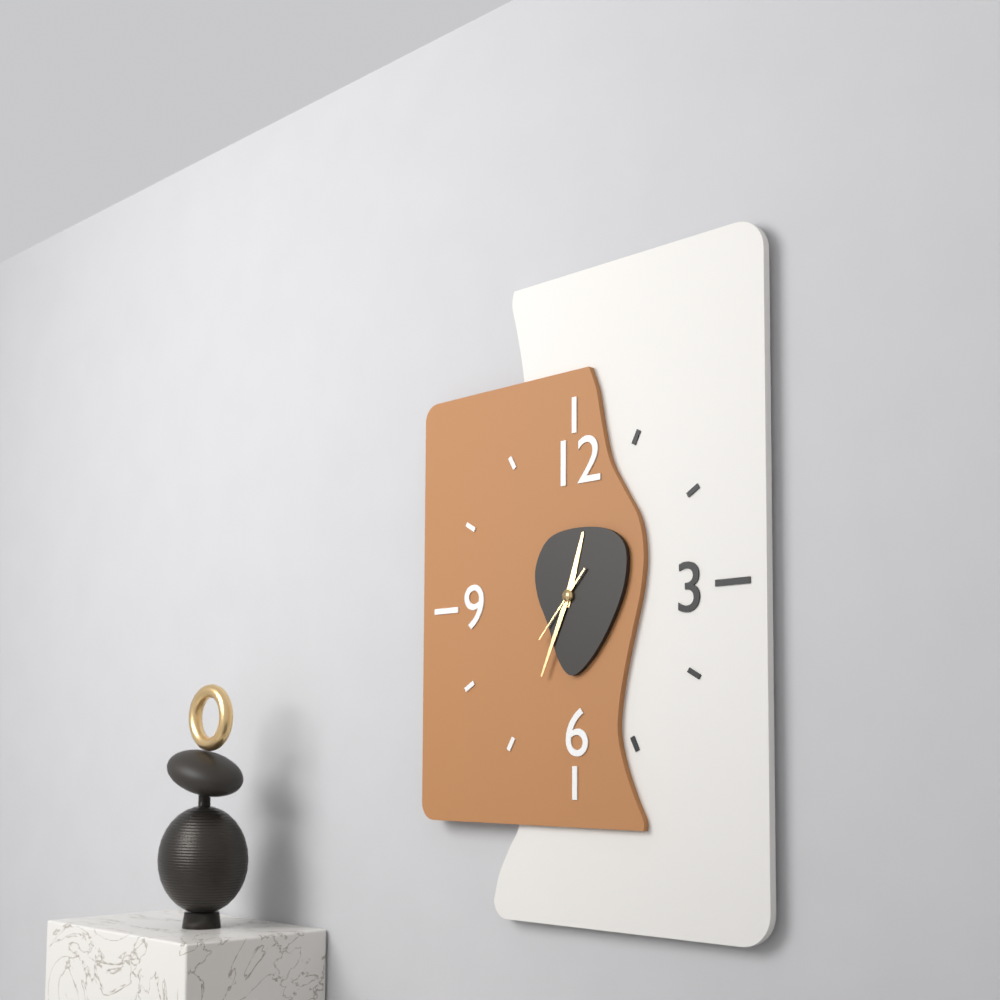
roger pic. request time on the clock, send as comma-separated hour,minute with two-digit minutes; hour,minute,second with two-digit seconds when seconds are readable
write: 12,34,37
